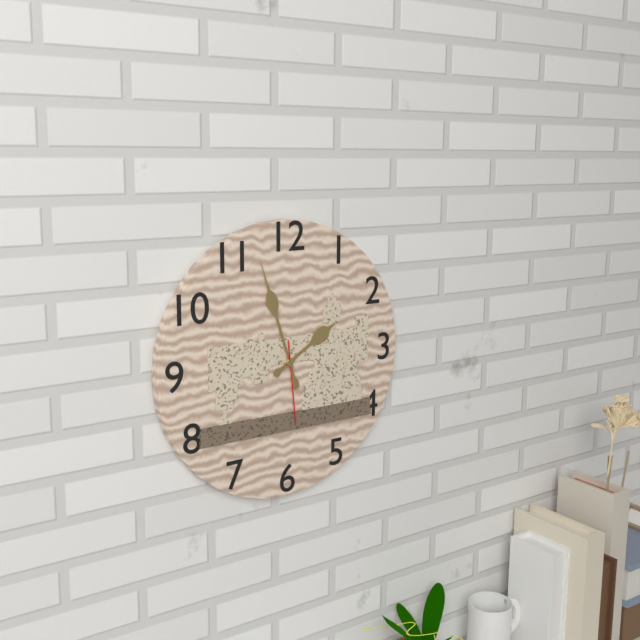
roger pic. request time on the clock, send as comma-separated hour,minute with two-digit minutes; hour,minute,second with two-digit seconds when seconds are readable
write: 1,57,29
